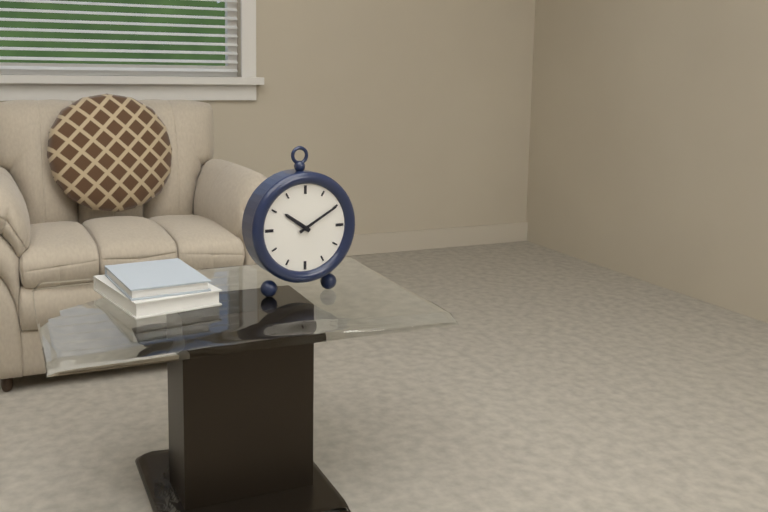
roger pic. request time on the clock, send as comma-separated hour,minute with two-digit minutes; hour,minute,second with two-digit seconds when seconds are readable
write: 10,10
